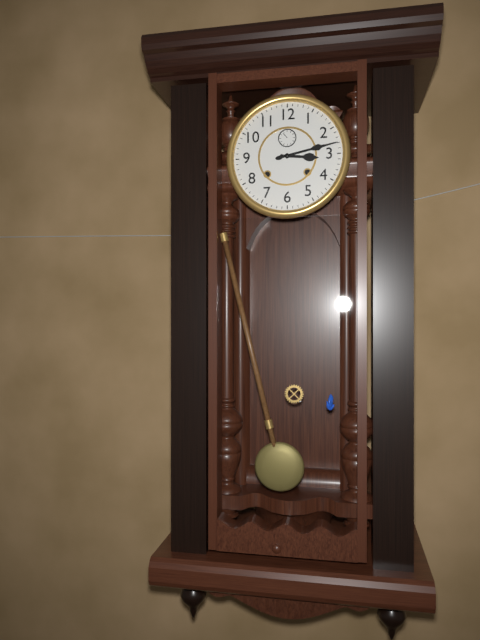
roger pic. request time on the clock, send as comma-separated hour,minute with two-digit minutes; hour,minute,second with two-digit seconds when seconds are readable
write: 3,13
